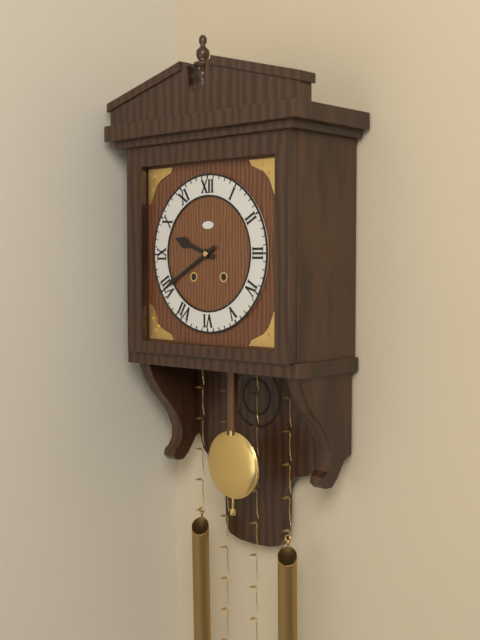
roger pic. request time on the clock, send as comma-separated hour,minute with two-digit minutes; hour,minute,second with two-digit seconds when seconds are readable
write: 9,40
